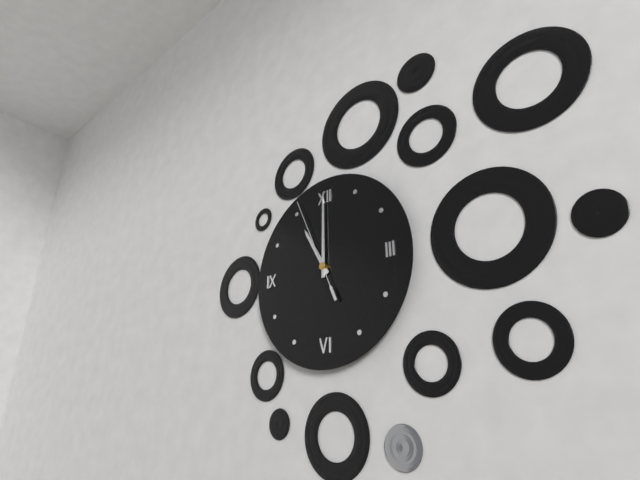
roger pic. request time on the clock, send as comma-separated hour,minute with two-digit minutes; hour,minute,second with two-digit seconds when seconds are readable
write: 11,00,56
